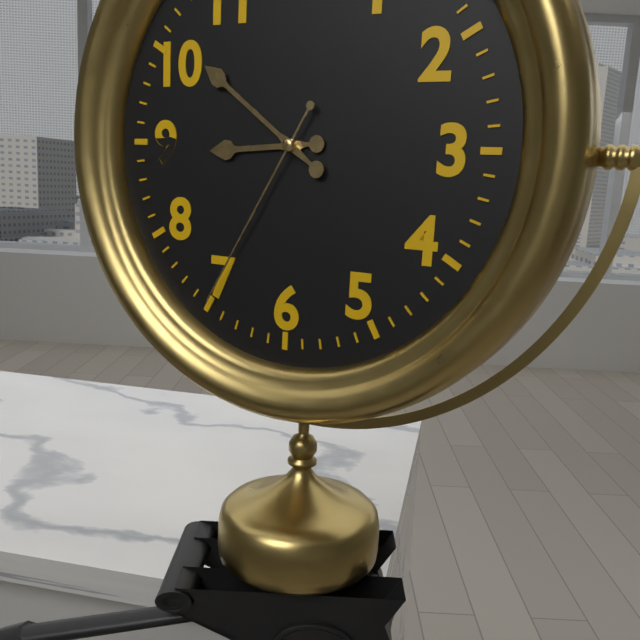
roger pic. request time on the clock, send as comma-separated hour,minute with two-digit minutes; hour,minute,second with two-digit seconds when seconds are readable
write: 8,51,35
